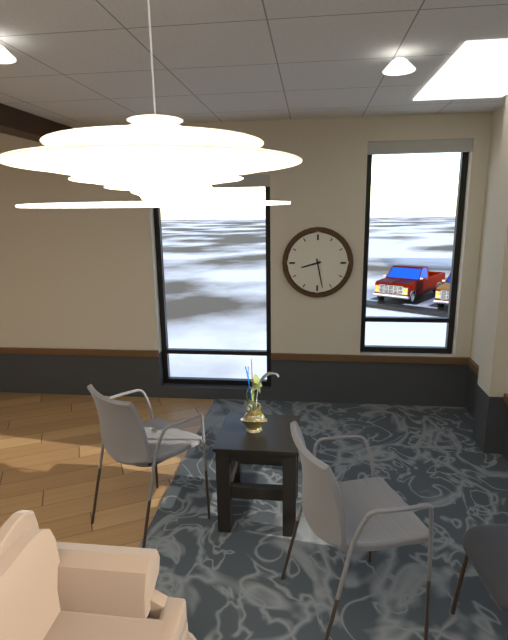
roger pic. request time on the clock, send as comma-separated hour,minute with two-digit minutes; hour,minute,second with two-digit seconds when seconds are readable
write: 8,28
